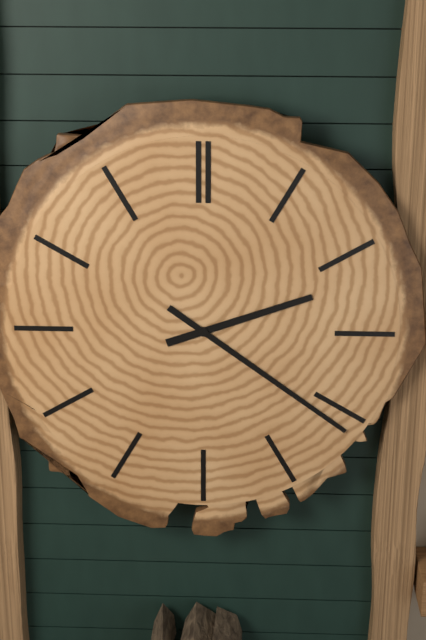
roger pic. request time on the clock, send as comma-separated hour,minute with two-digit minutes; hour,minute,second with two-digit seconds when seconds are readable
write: 2,21
